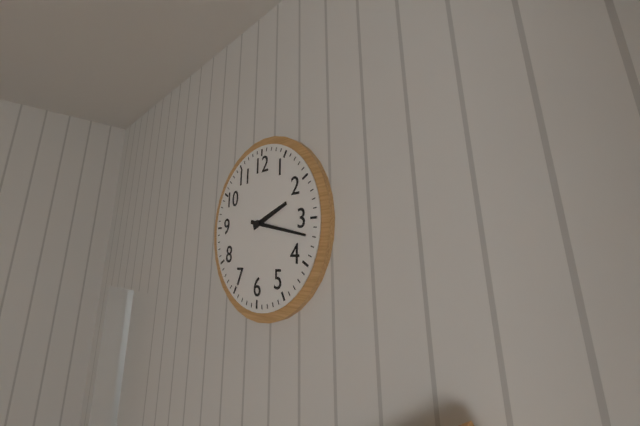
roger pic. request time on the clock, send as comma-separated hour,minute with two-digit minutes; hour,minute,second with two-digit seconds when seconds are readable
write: 2,17
